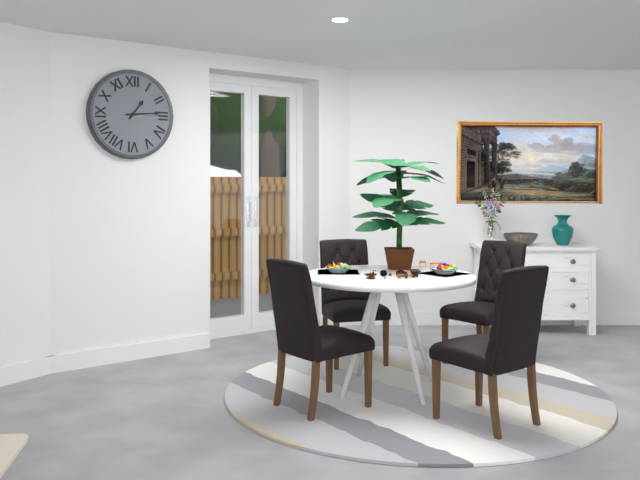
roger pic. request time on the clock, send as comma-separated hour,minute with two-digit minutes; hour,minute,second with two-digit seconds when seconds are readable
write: 1,14
